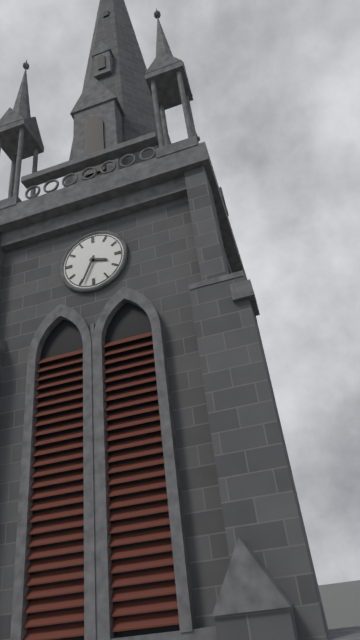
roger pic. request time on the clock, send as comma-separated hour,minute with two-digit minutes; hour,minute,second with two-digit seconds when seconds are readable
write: 3,34
